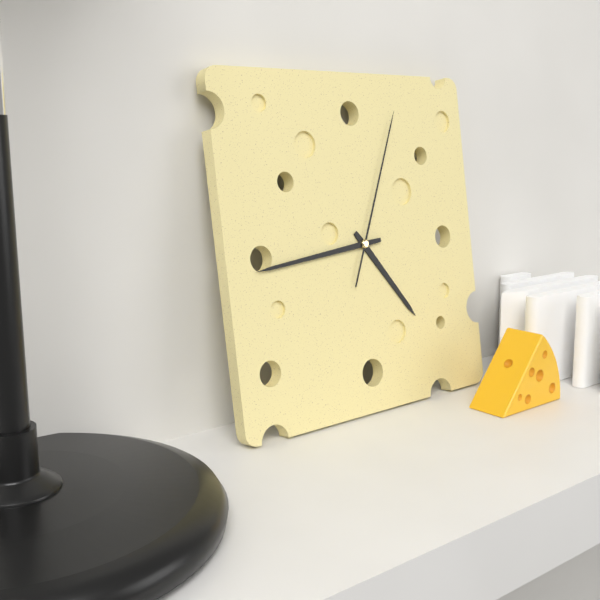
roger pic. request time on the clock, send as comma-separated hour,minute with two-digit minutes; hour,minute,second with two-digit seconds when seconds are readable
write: 4,44,04
